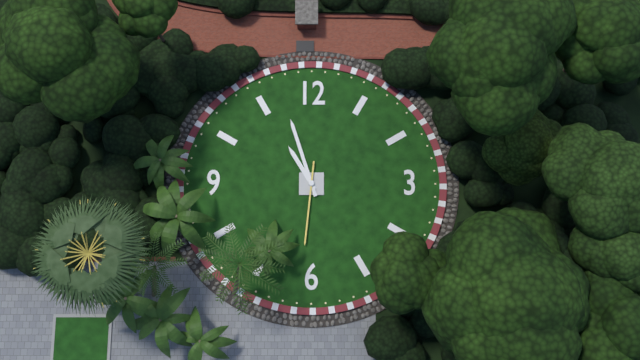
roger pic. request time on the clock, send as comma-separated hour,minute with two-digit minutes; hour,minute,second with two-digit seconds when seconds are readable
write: 10,57,31
